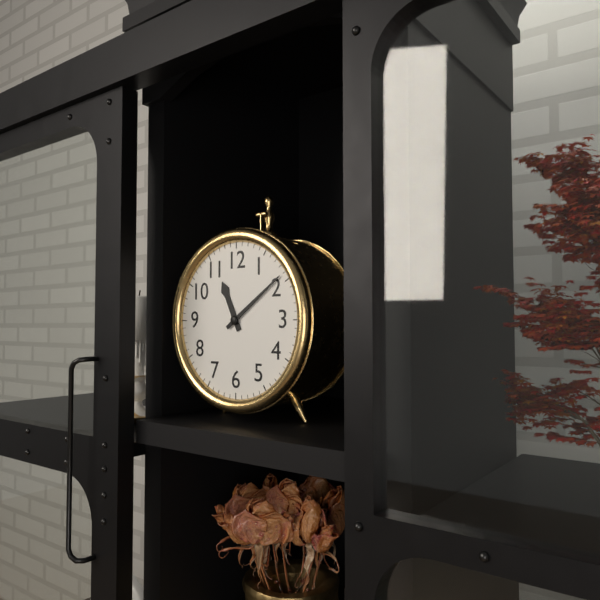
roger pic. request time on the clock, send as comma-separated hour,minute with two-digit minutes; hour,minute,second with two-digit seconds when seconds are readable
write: 11,09
